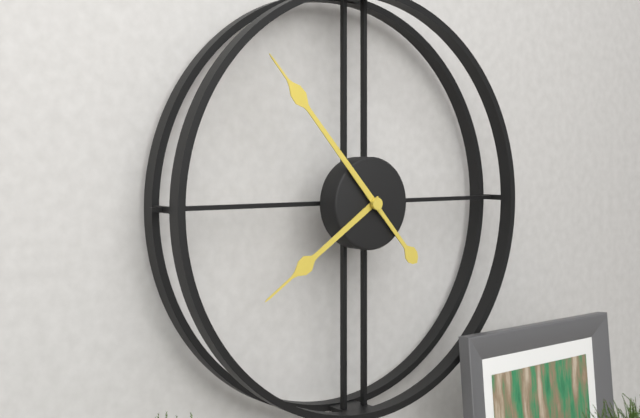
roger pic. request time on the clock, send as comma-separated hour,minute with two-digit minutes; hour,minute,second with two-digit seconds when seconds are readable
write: 7,53
